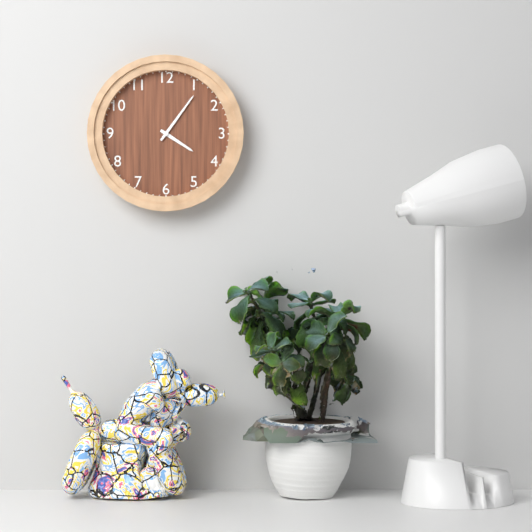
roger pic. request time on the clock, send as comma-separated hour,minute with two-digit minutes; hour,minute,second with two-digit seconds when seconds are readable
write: 4,06
